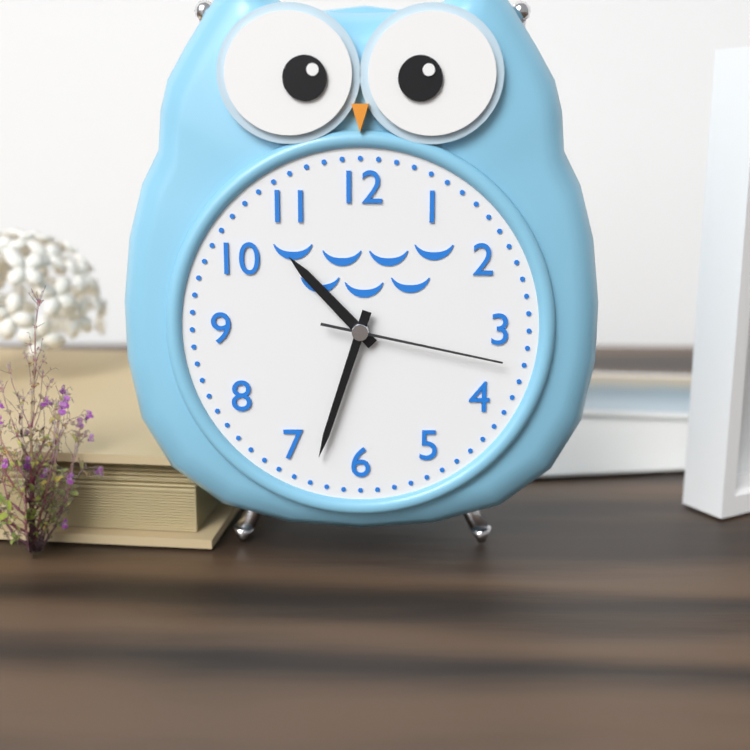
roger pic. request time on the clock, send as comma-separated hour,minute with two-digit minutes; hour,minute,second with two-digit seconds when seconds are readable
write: 10,33,17
